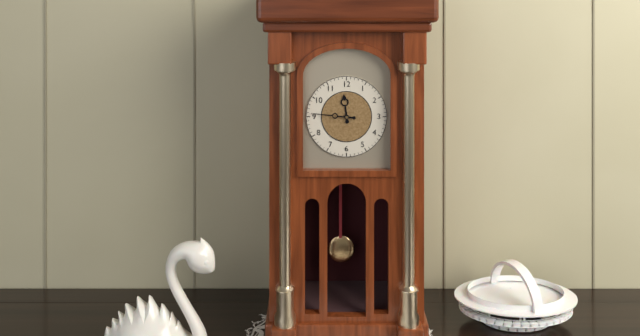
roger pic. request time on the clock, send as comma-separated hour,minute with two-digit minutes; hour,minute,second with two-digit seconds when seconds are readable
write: 11,46
